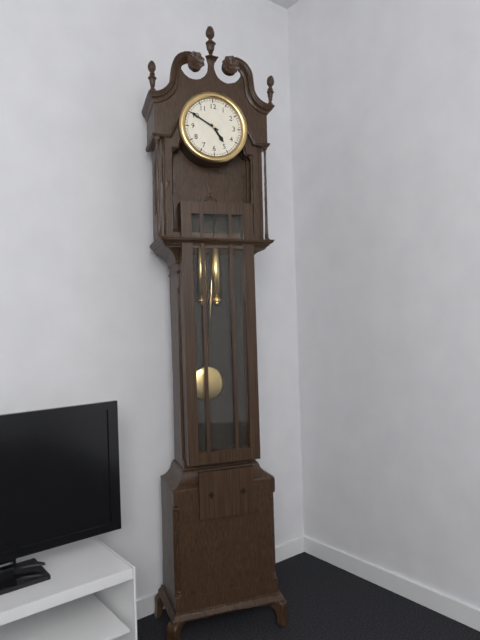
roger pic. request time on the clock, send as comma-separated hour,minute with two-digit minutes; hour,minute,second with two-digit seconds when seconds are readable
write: 4,50
